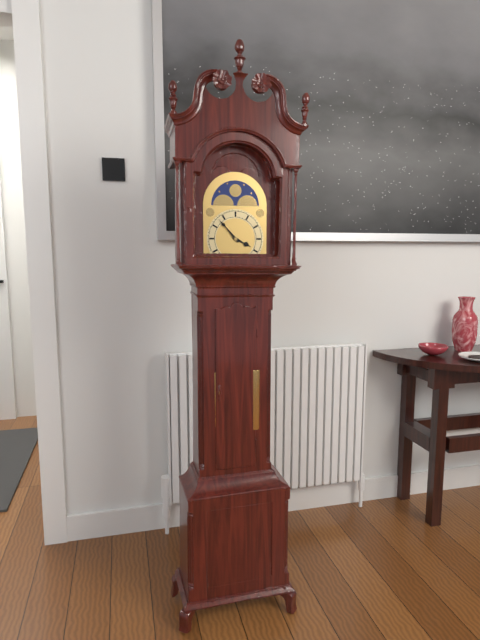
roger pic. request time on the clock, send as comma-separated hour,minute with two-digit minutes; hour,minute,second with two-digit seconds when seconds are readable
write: 3,53
